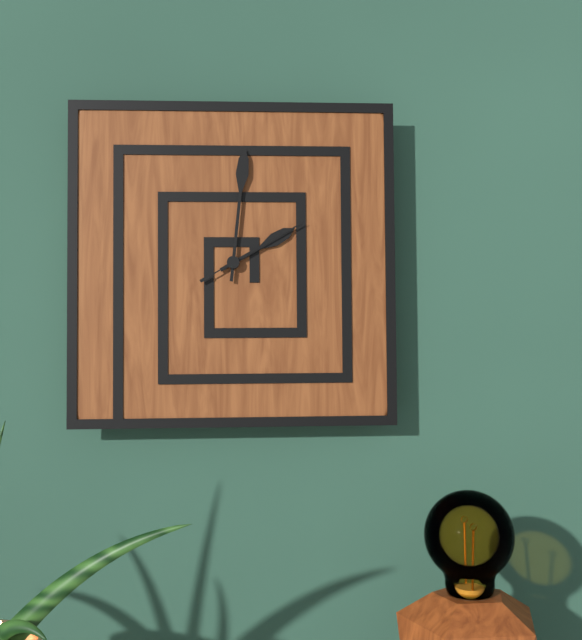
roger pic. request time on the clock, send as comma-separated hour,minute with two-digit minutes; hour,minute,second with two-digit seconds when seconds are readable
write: 2,01,10
